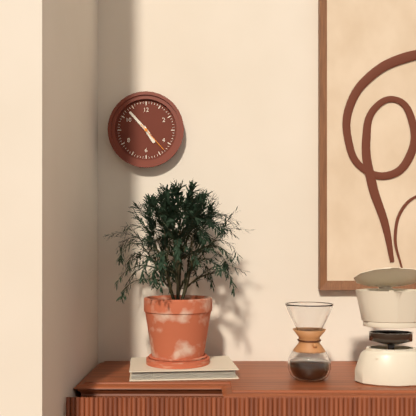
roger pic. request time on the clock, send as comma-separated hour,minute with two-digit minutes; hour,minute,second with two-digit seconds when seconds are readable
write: 4,53
